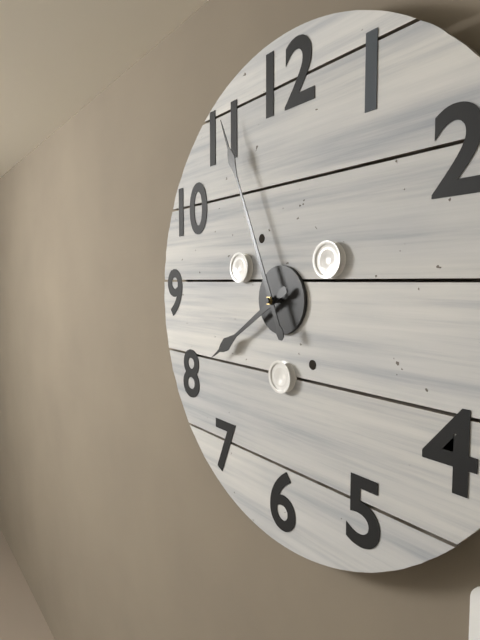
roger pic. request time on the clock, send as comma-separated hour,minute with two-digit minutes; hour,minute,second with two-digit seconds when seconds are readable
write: 7,56
